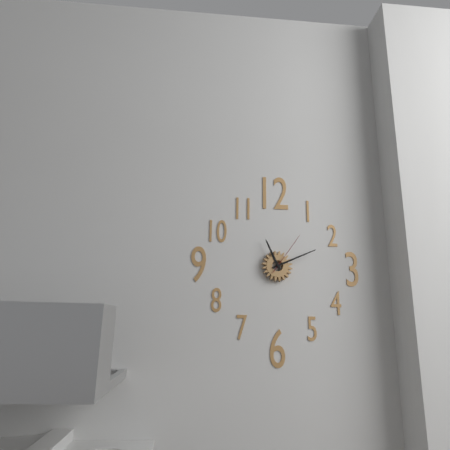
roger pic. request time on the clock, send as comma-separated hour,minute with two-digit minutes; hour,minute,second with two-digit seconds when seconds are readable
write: 11,11
